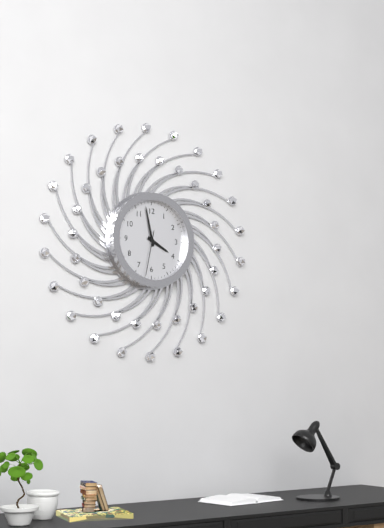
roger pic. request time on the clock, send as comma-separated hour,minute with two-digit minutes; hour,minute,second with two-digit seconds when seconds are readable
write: 3,58
